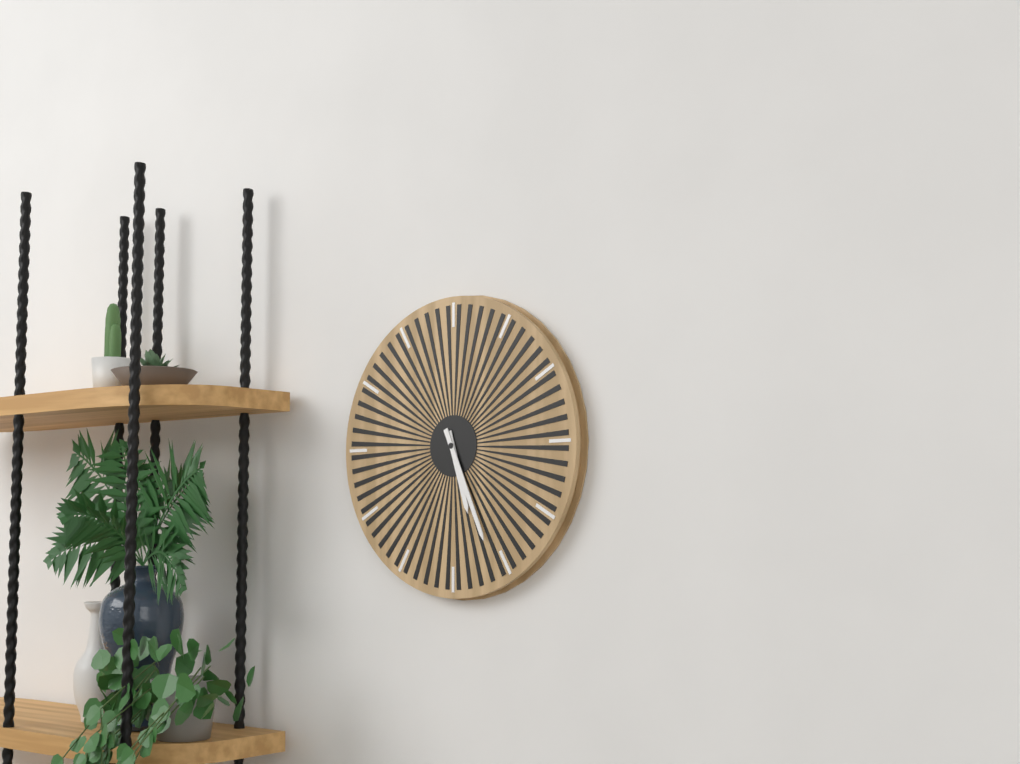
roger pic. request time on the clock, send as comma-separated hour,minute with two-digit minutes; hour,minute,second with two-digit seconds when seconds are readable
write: 5,26
